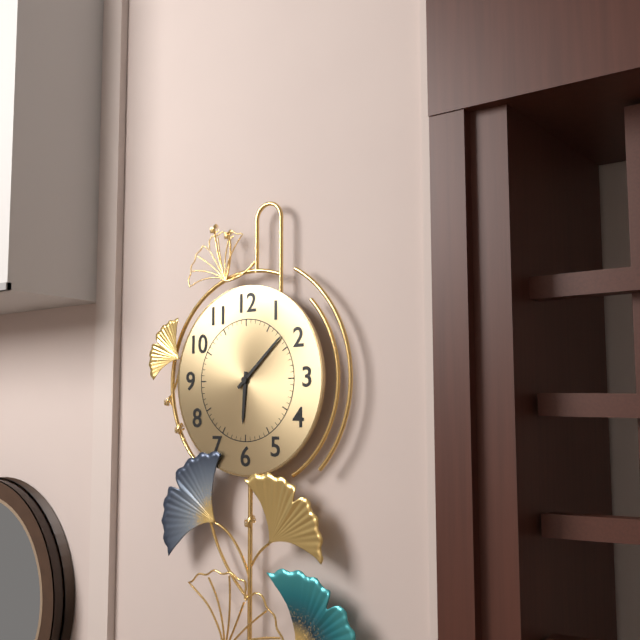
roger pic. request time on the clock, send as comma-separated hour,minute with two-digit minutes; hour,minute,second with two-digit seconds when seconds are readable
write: 6,08
